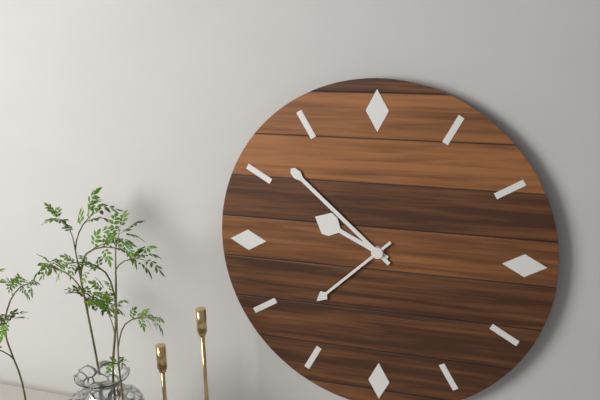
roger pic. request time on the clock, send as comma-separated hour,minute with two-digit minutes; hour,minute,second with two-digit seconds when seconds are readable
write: 9,52,38
